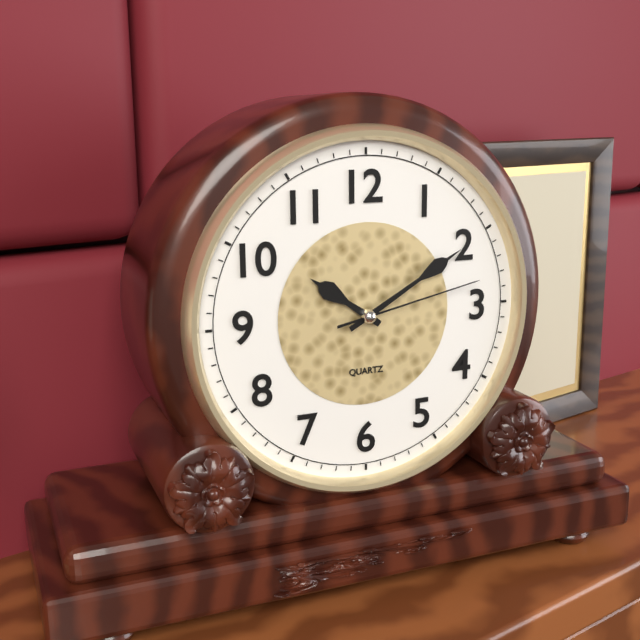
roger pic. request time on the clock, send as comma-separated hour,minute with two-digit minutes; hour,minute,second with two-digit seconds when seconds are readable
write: 10,10,13
